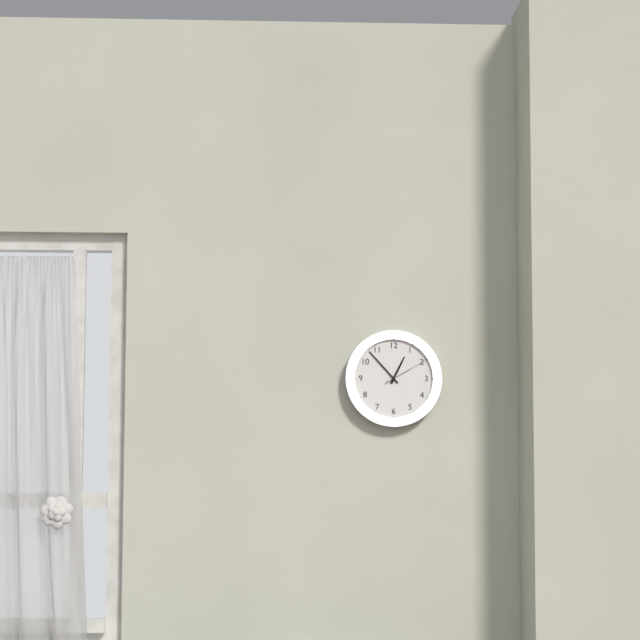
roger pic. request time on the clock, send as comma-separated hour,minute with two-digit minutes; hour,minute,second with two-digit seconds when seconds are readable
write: 12,53
